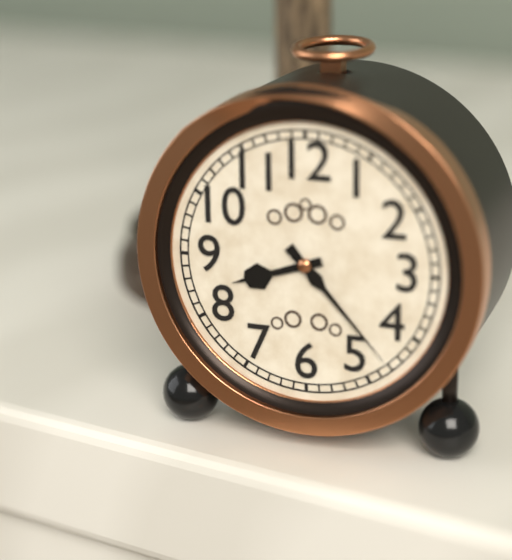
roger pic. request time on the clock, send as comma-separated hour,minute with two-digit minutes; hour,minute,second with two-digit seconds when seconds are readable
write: 8,23
